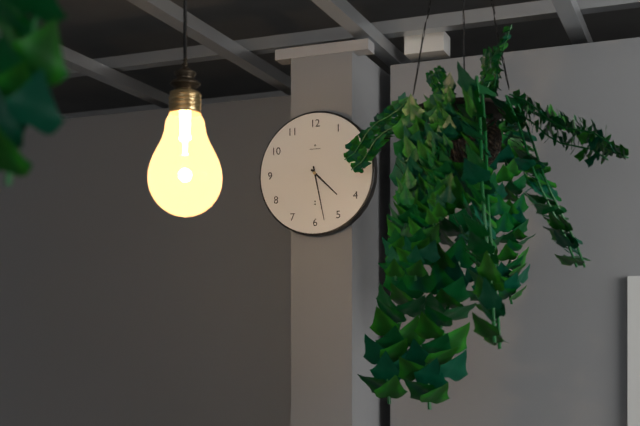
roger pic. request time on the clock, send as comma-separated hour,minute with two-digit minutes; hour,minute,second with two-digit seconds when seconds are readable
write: 4,28
